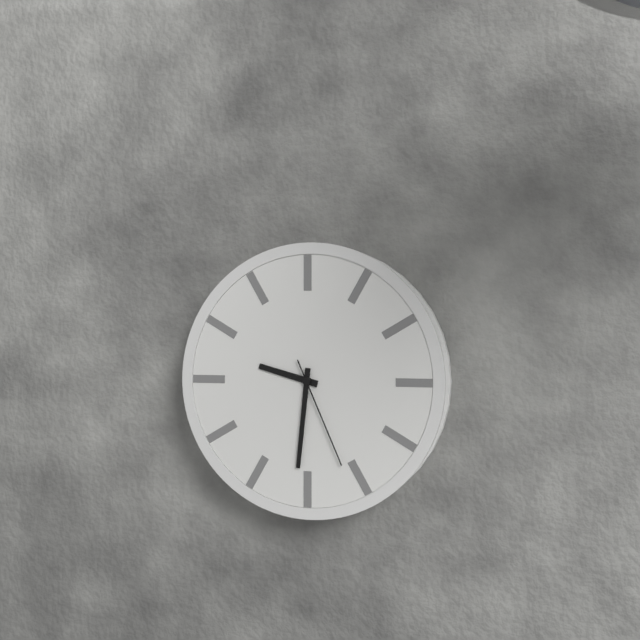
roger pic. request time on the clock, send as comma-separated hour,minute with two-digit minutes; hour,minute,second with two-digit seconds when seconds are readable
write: 9,31,26
